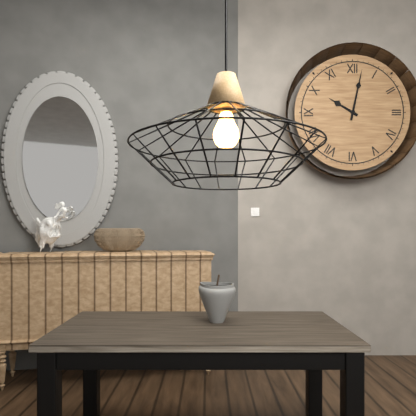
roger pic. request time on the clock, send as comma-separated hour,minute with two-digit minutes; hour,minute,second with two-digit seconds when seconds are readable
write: 10,02
